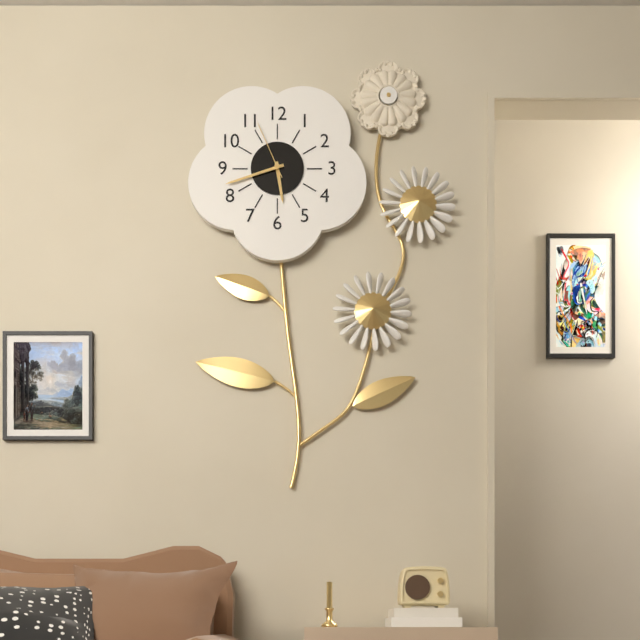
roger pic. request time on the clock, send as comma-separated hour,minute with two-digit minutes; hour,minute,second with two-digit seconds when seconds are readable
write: 5,42,56
